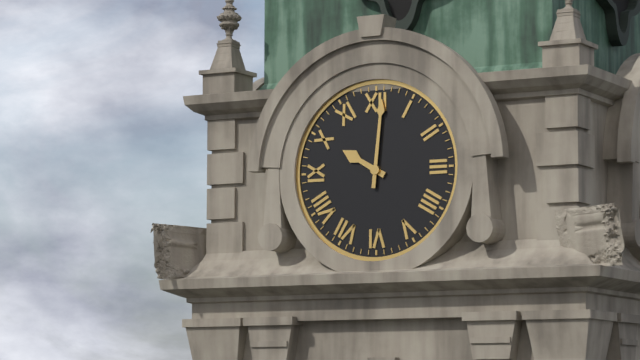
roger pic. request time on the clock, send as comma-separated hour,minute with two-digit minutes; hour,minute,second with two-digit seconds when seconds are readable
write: 10,01
